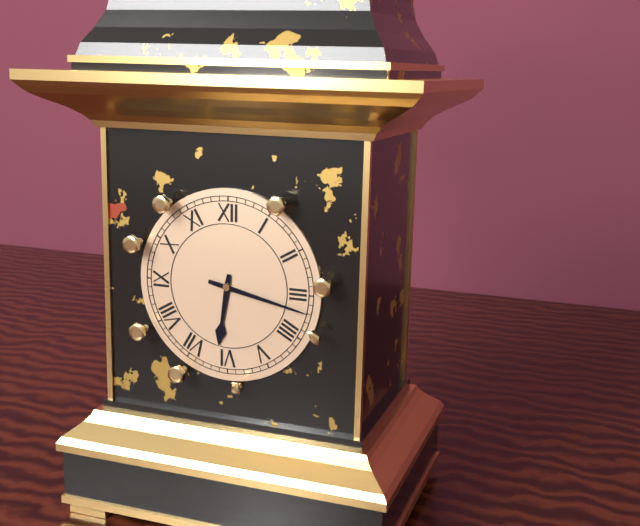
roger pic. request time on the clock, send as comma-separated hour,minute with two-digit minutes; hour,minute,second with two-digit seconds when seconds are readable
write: 6,17
